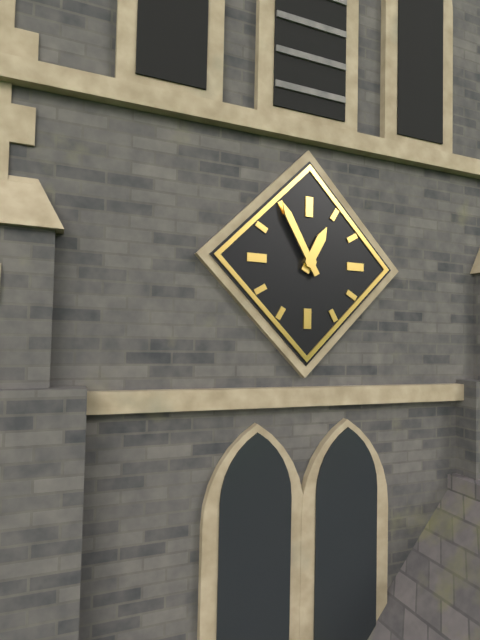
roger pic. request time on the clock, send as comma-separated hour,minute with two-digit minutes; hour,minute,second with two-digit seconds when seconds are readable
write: 12,55
